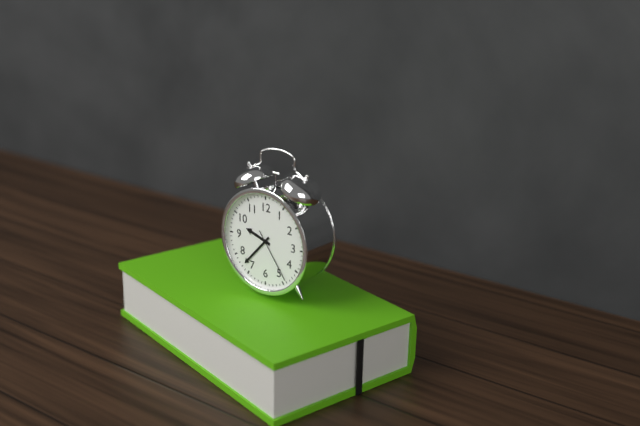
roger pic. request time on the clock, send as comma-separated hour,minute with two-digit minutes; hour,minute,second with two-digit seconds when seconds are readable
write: 9,37,24
